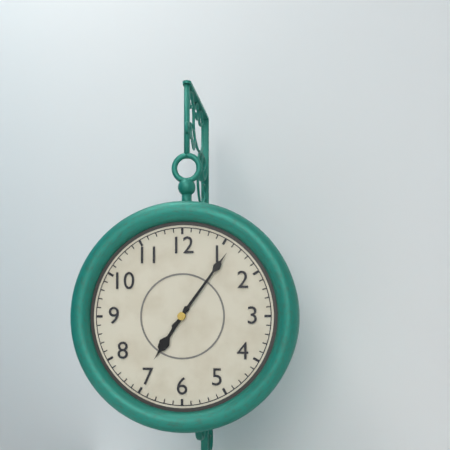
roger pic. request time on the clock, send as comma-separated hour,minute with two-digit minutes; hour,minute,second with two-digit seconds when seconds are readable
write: 7,06
